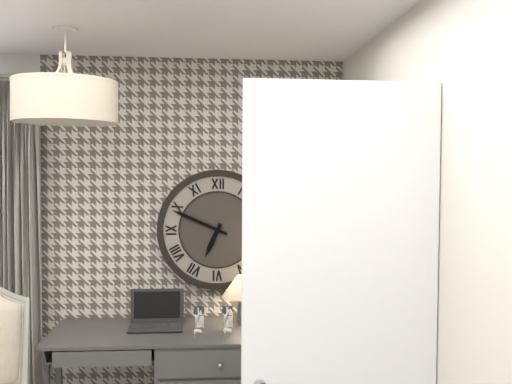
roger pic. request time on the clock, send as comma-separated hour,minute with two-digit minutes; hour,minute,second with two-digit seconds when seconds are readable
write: 6,49
